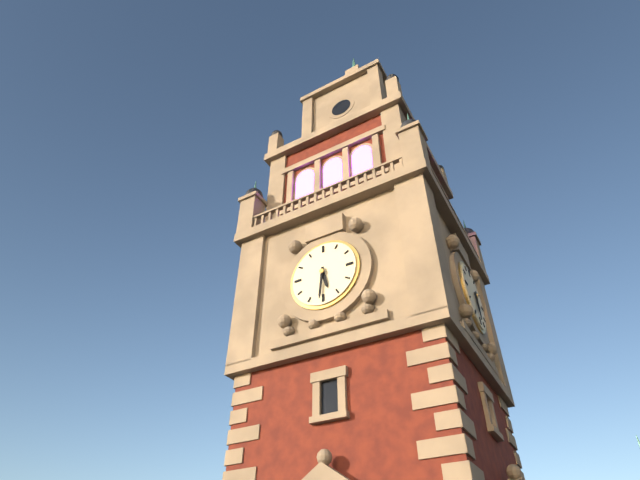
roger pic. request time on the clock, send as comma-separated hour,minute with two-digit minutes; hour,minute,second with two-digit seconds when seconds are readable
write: 5,31
